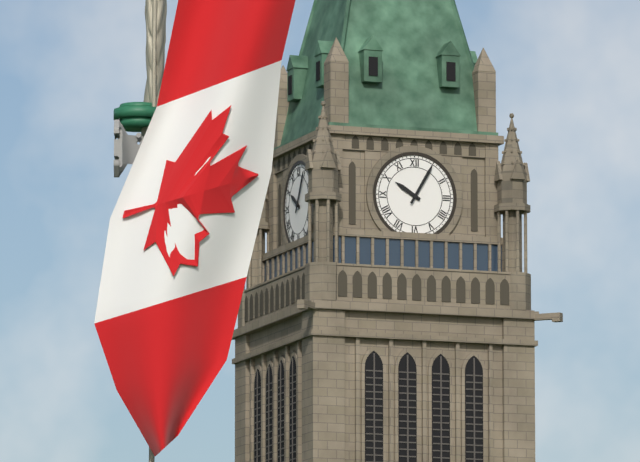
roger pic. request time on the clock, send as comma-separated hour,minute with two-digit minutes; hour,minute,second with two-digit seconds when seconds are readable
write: 10,05
